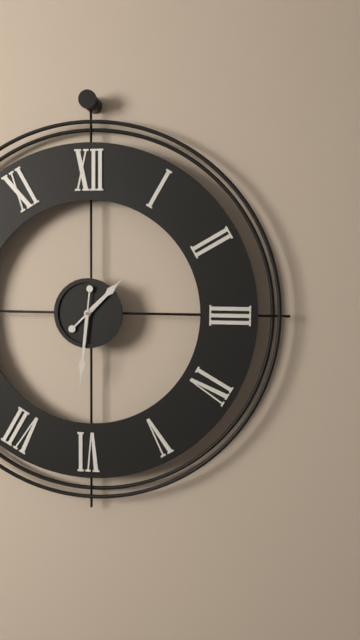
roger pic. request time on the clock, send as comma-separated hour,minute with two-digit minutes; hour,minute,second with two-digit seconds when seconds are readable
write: 1,31
